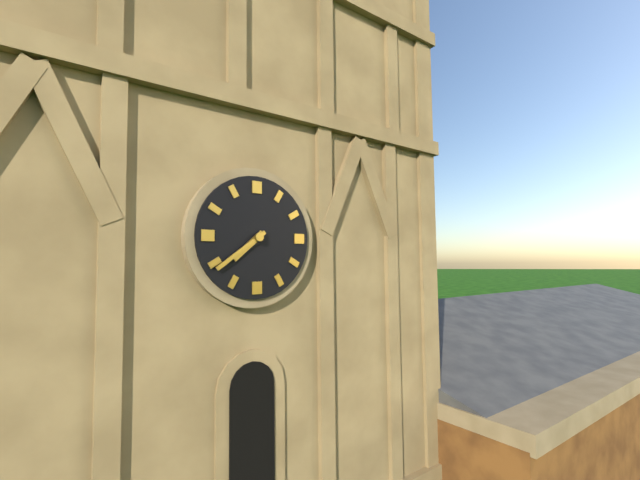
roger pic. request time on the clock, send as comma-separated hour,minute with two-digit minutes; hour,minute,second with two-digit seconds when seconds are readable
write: 7,39
